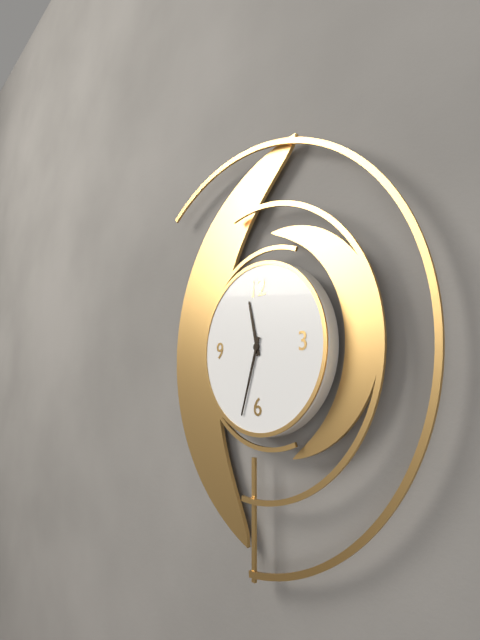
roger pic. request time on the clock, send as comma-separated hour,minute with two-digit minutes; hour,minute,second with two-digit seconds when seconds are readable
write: 11,33
